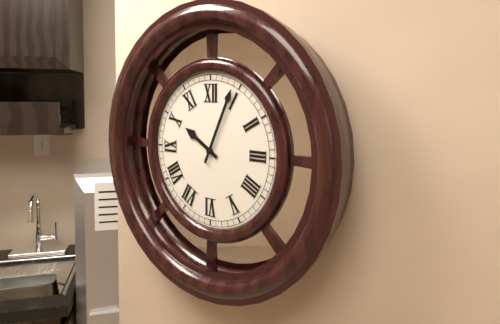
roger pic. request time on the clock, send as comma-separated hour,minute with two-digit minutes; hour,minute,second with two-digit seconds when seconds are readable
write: 10,04
